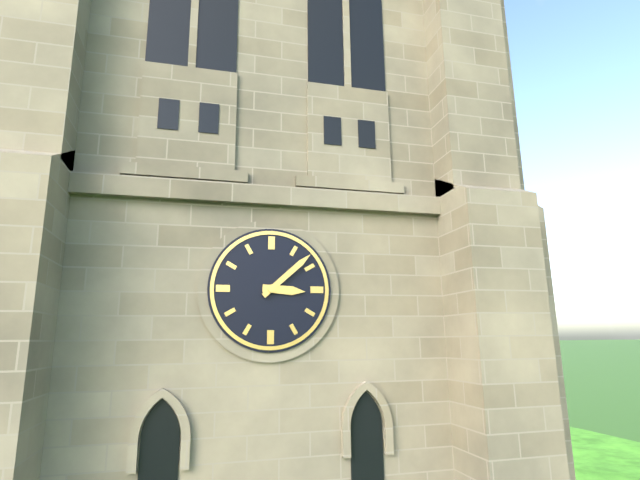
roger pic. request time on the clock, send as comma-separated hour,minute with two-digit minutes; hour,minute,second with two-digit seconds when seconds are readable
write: 3,08
